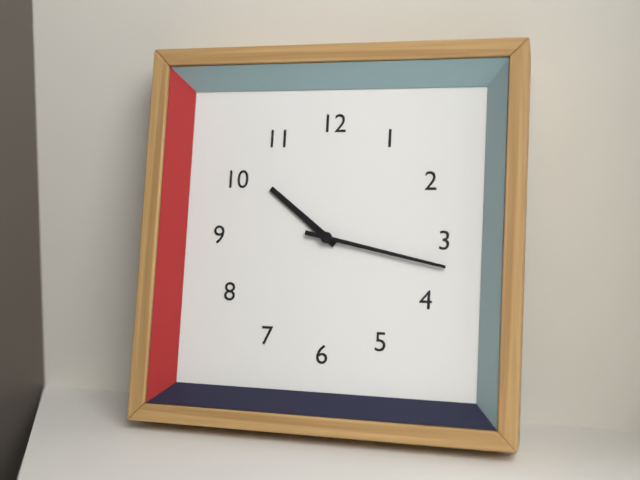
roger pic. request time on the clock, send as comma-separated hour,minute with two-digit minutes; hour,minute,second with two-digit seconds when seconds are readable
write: 10,17
